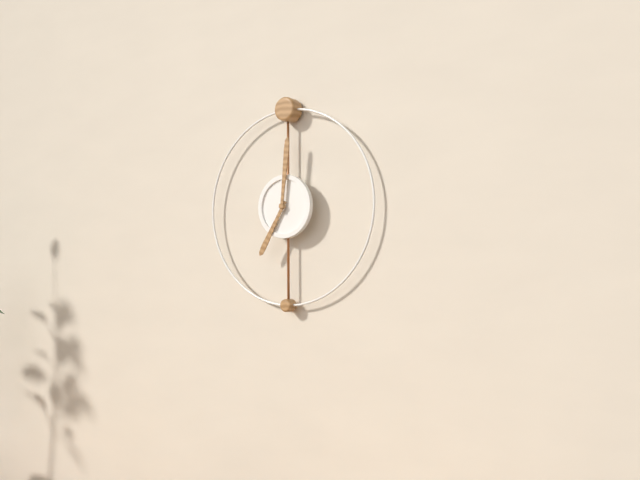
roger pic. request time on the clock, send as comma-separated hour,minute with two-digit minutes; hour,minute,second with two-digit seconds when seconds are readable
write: 7,01
